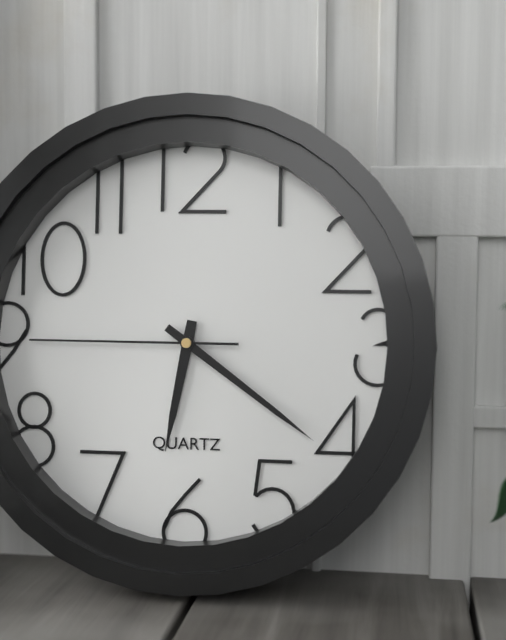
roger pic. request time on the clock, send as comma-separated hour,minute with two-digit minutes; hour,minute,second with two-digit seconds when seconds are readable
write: 6,21,45
